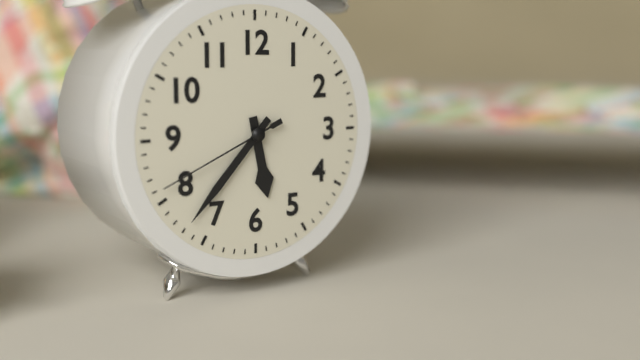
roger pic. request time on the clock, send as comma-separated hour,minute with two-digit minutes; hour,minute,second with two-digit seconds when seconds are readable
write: 5,37,41
